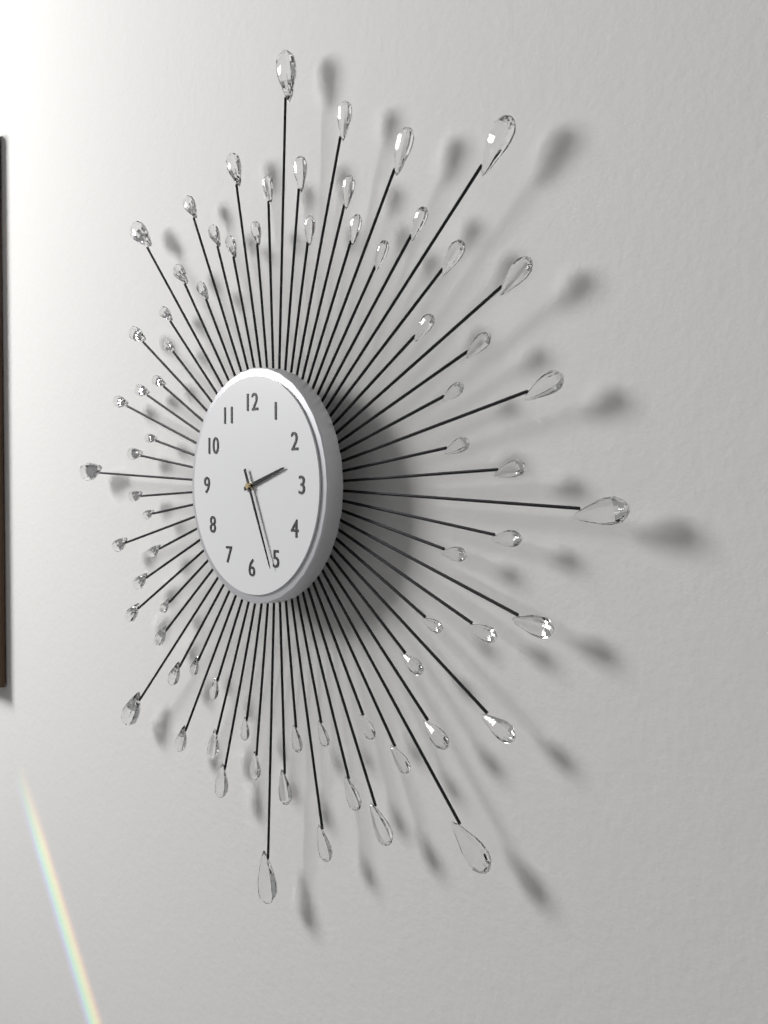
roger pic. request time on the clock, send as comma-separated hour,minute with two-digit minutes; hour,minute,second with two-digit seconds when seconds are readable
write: 2,26
